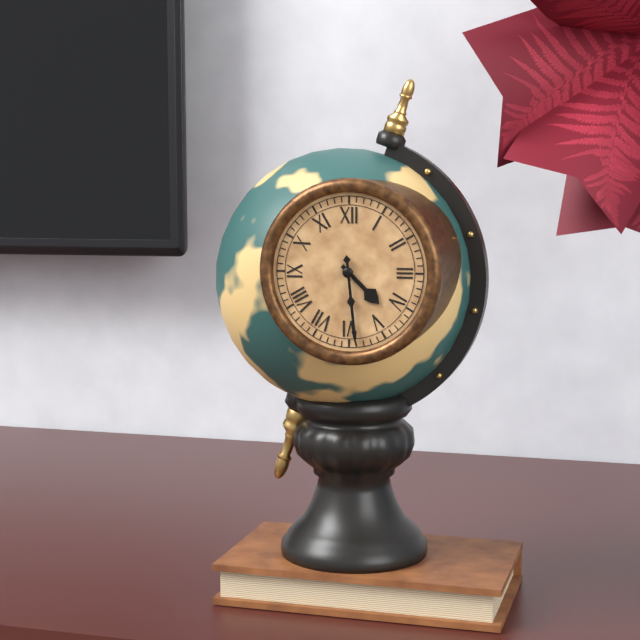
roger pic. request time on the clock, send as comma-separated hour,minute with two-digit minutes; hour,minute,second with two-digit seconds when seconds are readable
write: 4,29
